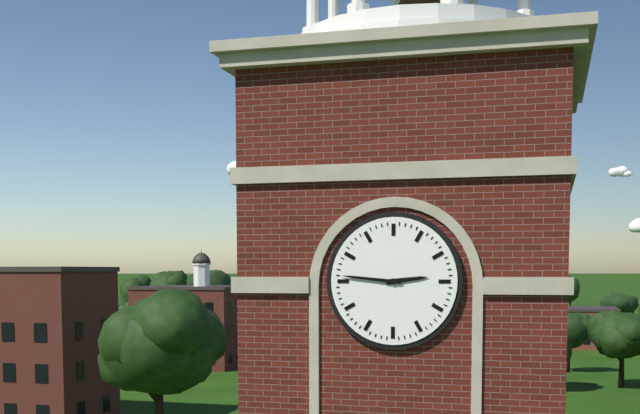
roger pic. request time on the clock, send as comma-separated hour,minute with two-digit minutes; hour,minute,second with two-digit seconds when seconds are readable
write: 2,46
